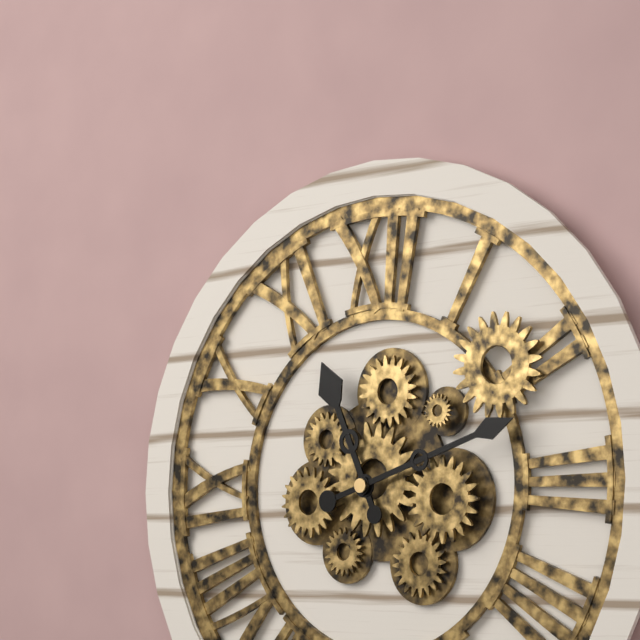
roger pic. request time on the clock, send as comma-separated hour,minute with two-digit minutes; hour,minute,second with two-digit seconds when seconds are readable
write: 11,12
